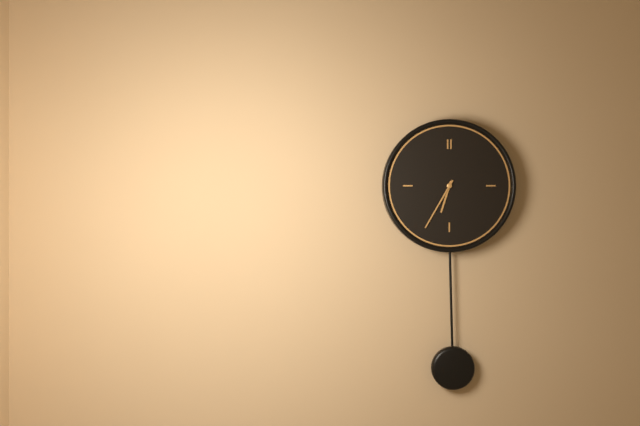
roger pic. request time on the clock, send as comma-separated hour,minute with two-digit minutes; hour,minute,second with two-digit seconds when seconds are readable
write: 6,35
